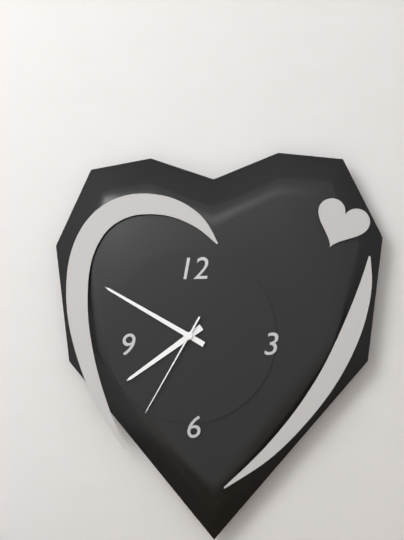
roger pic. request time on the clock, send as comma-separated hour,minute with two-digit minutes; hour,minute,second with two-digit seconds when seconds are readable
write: 7,50,35
